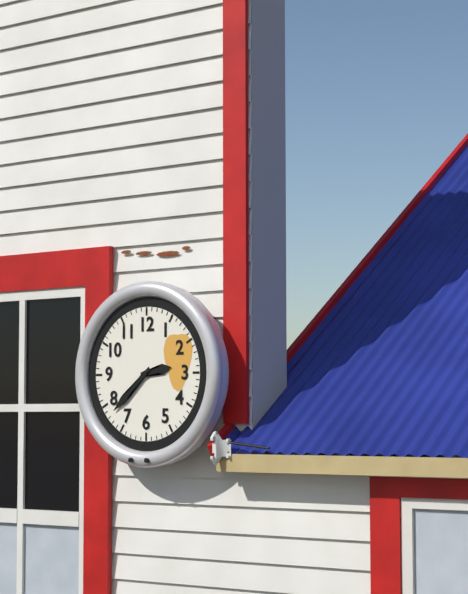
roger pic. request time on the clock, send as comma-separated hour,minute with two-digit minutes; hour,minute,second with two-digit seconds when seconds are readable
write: 2,38
